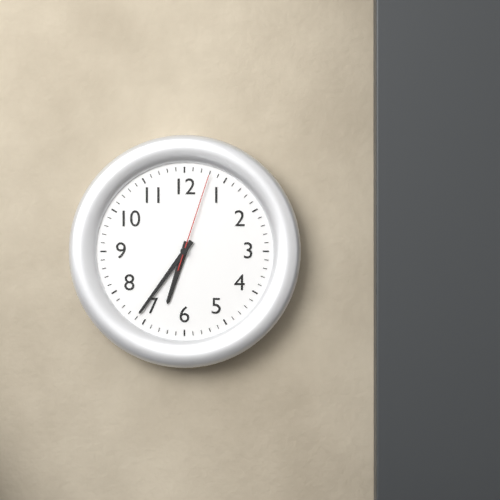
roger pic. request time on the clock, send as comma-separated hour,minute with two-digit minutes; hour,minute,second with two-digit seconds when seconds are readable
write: 6,36,03
